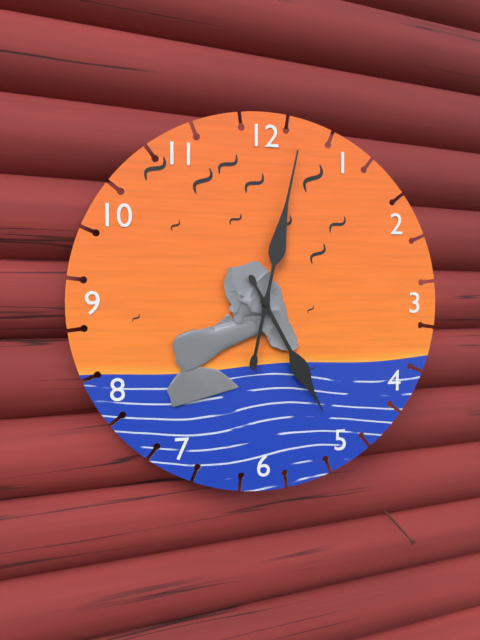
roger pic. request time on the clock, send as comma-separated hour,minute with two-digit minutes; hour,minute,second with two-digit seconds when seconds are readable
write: 5,02
